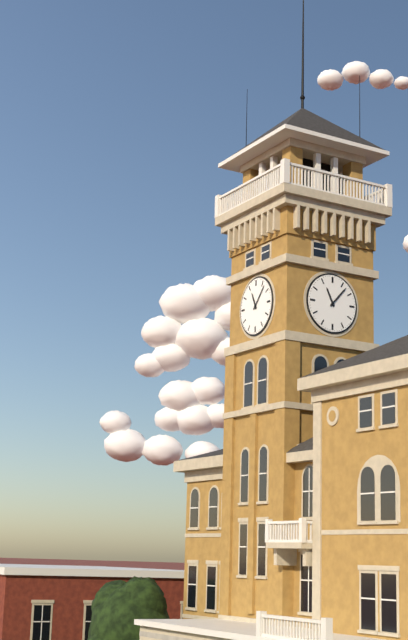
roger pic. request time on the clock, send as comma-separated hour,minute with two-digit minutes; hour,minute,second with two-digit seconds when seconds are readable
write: 11,07
